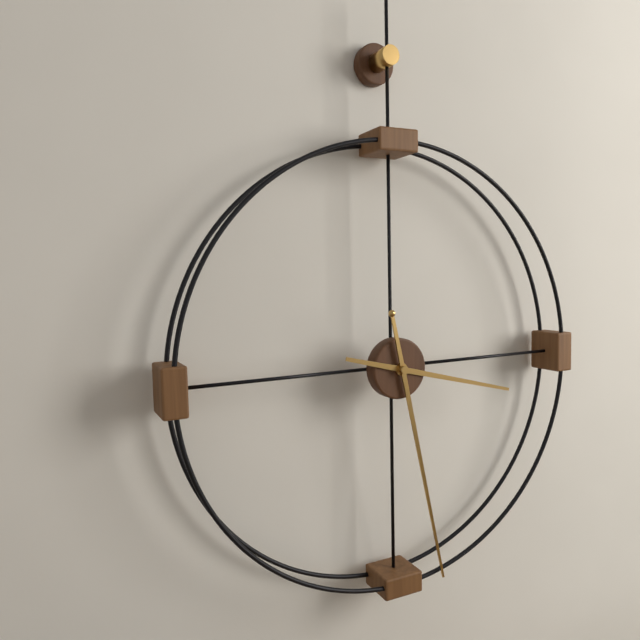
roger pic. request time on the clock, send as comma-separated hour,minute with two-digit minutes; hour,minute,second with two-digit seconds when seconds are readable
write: 3,28
